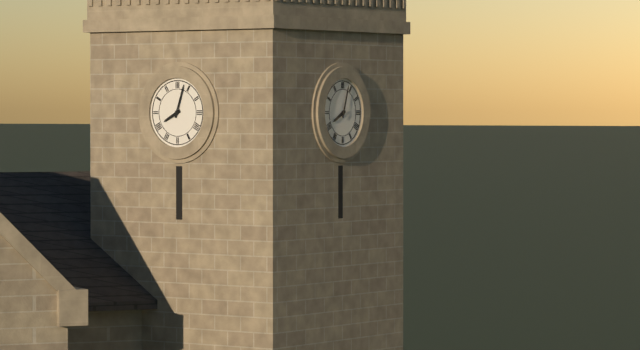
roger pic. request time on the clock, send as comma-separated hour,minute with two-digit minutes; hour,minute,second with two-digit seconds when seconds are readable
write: 8,03
